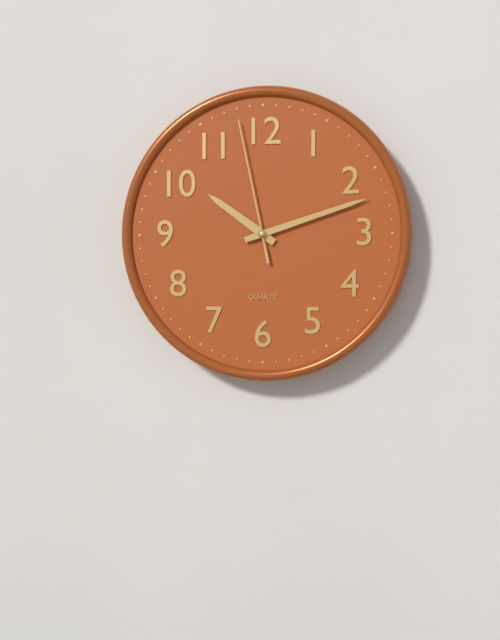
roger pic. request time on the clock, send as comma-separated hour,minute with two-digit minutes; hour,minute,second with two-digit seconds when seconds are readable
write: 10,12,58
